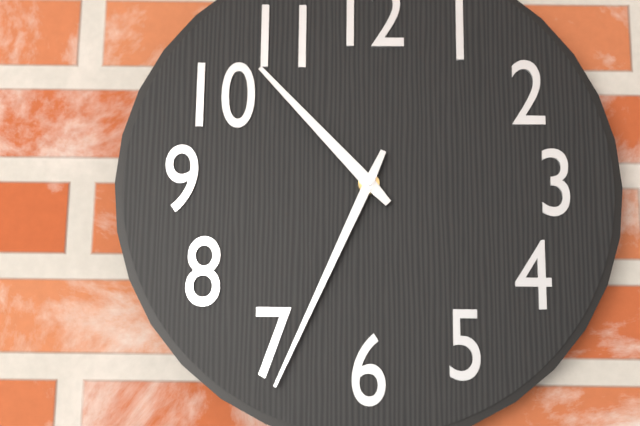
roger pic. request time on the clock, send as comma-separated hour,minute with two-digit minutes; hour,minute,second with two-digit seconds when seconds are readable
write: 10,34
